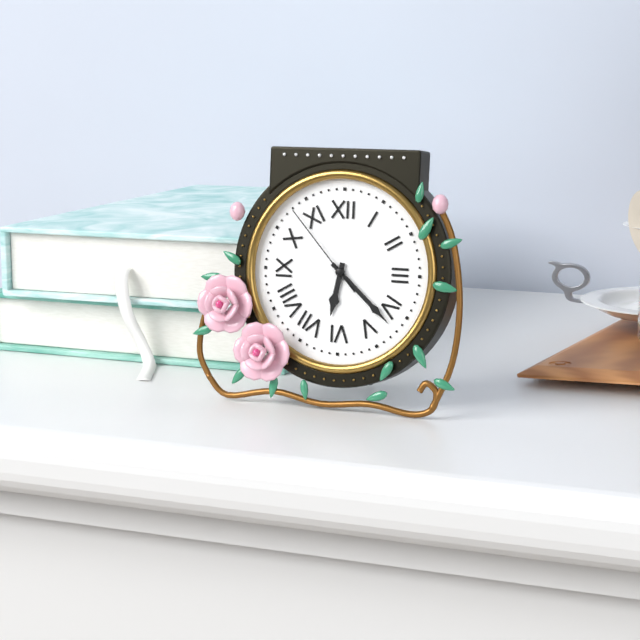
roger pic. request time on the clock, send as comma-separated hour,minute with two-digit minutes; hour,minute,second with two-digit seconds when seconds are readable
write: 6,22,53
